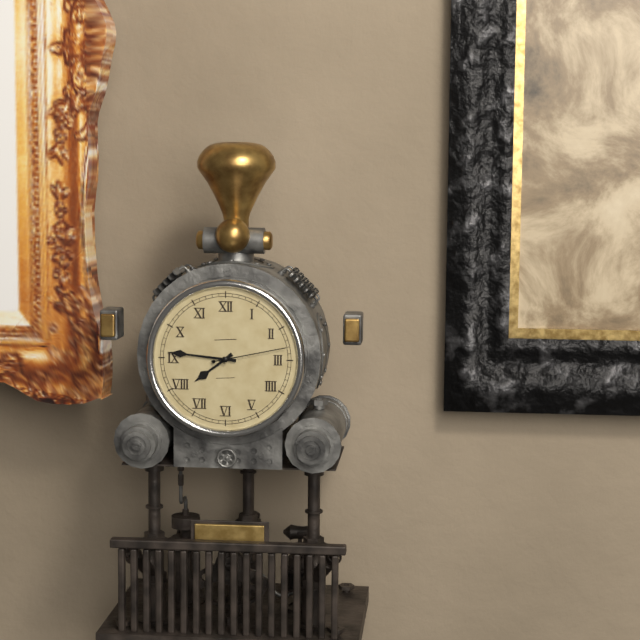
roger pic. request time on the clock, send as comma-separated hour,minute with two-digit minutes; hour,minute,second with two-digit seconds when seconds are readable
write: 7,46,13
